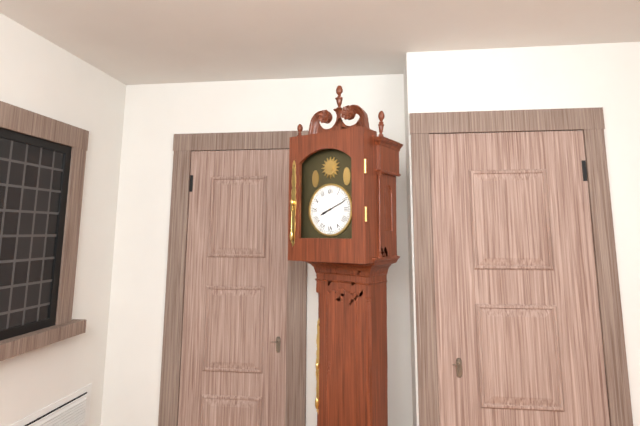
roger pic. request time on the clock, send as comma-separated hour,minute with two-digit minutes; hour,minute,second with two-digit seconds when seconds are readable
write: 8,11
